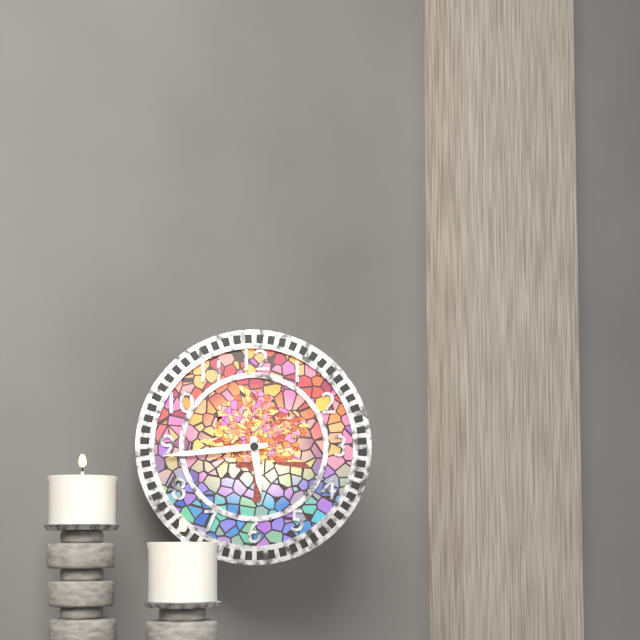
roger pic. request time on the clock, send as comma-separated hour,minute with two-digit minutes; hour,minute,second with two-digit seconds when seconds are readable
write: 5,44
